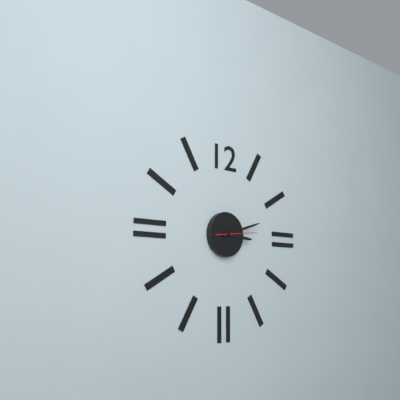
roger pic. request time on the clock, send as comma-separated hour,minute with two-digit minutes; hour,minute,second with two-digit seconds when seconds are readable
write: 3,12
